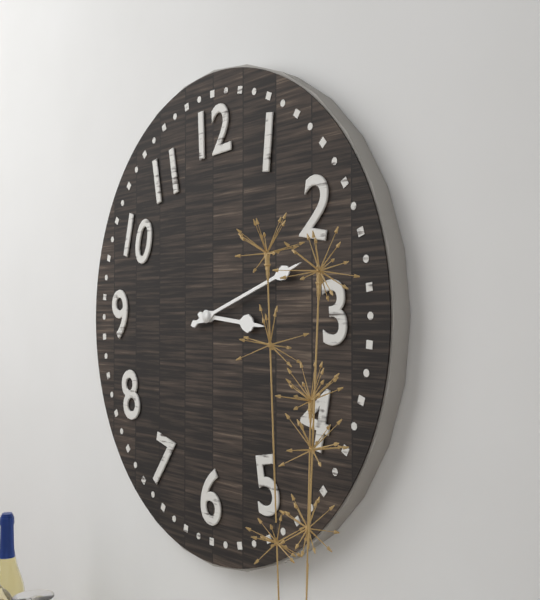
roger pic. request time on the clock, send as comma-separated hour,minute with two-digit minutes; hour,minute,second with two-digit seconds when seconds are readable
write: 3,12
